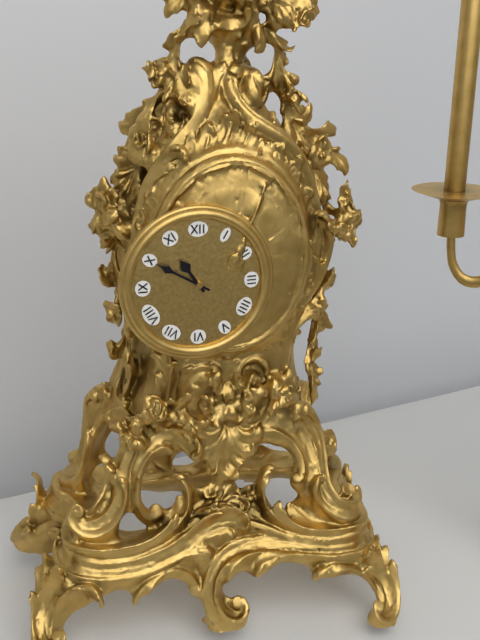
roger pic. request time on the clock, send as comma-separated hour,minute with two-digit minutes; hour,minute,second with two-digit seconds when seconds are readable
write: 10,50
